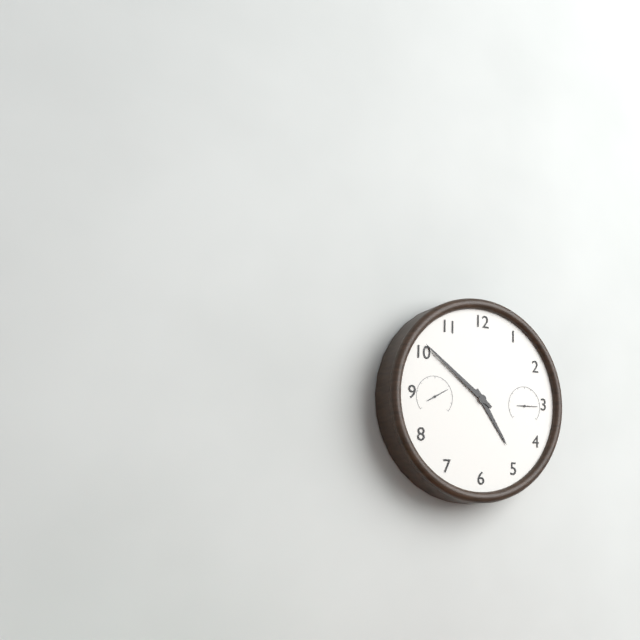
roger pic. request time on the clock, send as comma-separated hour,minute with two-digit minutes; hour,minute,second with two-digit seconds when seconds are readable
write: 4,51
